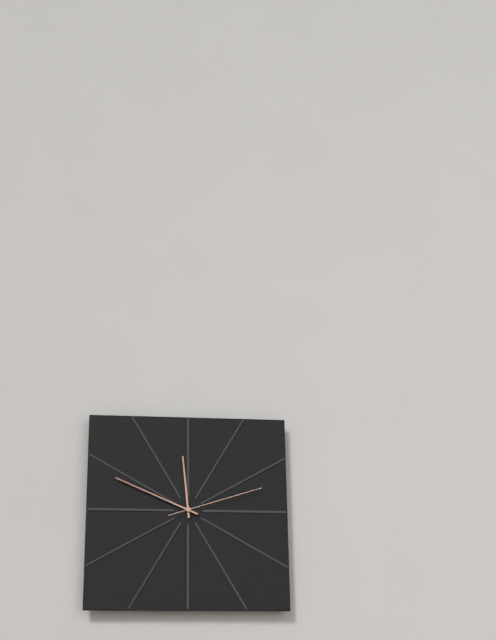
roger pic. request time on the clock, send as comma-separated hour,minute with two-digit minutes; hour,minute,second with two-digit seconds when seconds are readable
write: 11,49,12
